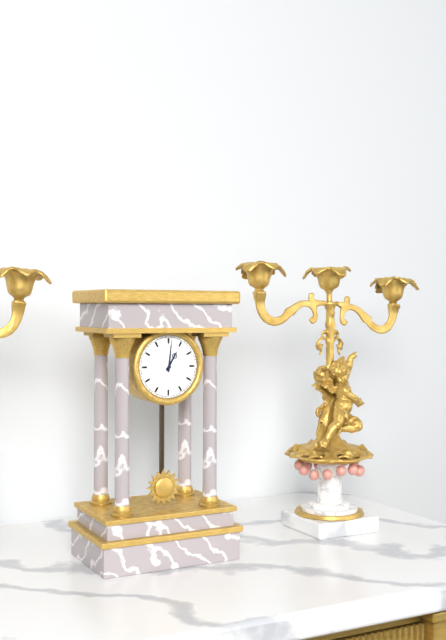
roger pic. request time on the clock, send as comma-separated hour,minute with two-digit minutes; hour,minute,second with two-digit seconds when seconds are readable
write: 1,01
